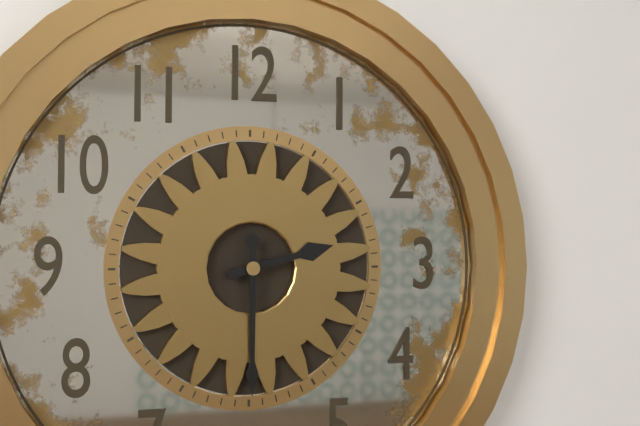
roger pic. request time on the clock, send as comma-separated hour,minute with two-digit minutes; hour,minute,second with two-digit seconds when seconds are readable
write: 2,30
